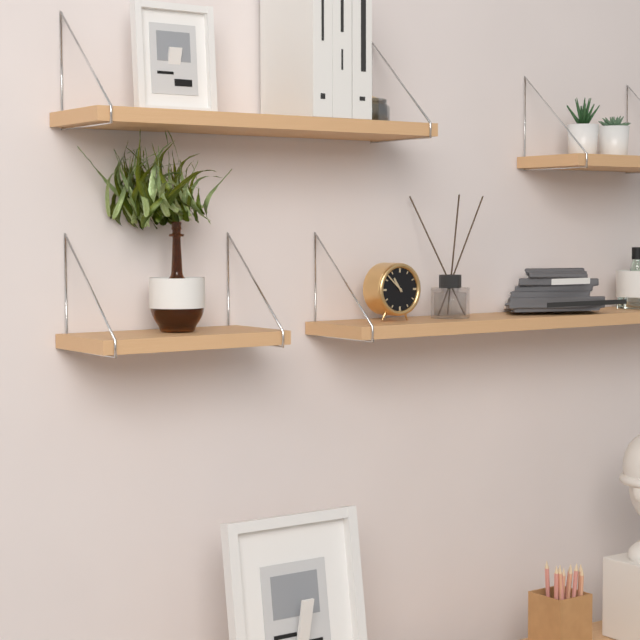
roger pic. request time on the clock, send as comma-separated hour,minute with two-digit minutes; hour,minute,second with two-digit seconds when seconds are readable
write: 10,52
